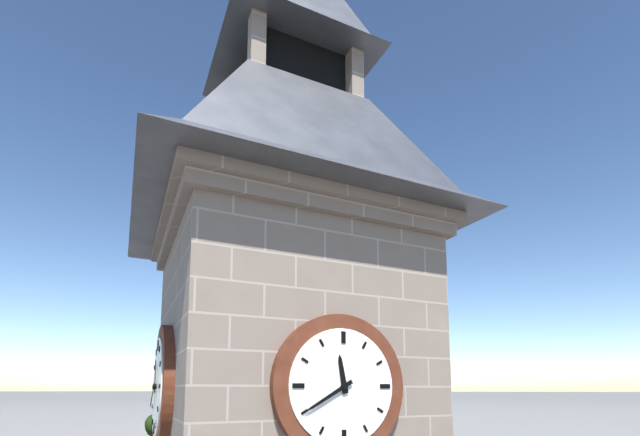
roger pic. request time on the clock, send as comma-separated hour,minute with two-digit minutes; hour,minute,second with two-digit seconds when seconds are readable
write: 11,40
